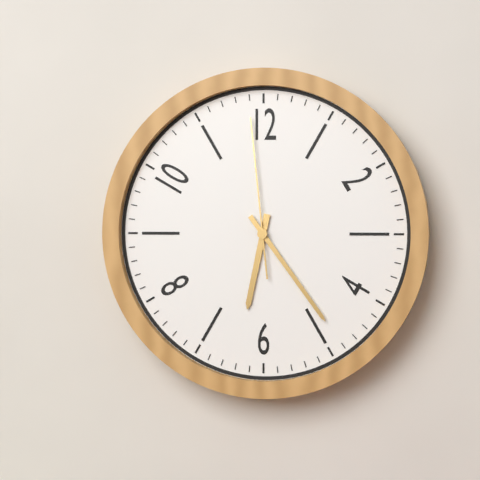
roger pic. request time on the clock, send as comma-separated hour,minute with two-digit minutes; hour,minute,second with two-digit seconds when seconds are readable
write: 6,24,59
